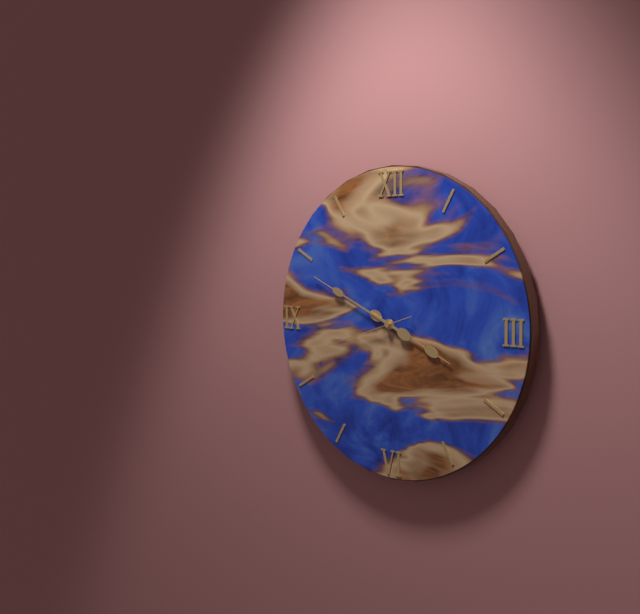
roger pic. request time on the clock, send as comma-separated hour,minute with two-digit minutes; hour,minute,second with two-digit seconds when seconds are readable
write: 3,49,42
